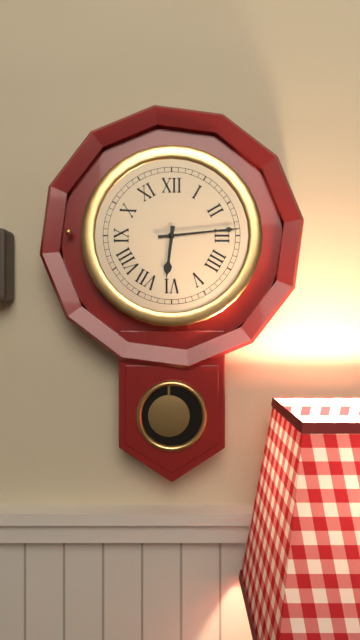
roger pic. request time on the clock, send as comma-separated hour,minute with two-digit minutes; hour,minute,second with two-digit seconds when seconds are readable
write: 6,14
